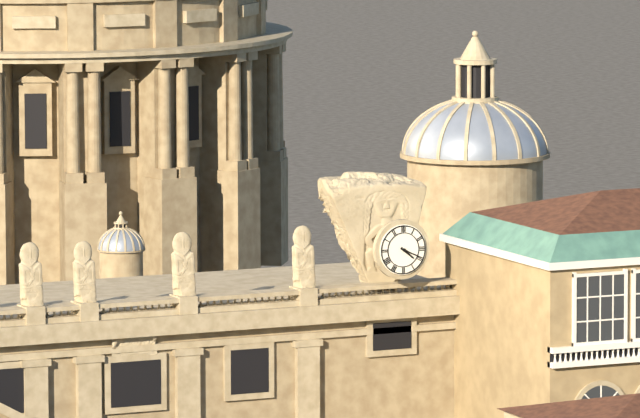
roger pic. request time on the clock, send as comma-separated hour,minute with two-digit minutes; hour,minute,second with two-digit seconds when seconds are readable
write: 4,19
